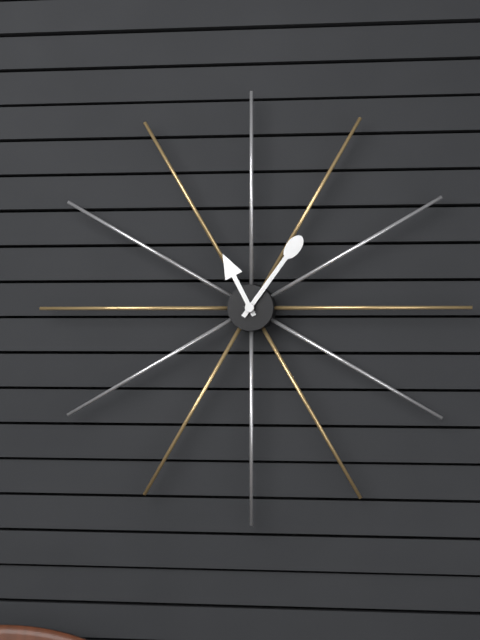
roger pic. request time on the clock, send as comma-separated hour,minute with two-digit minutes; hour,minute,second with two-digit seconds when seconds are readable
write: 11,06
